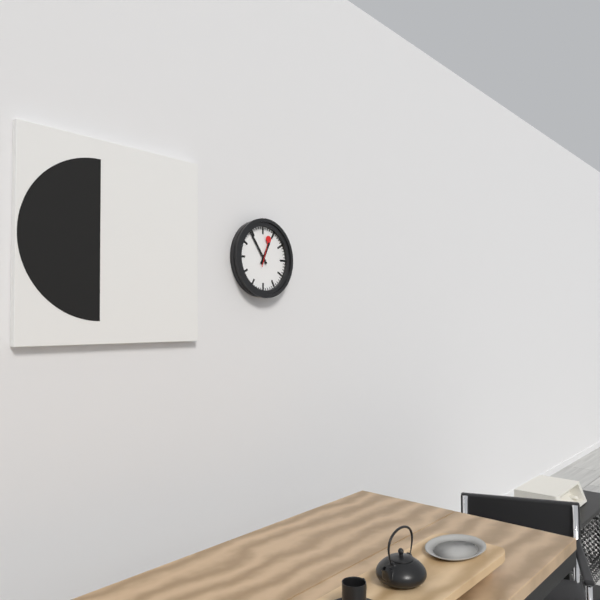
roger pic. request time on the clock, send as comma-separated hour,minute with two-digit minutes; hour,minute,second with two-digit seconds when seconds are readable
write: 12,54
